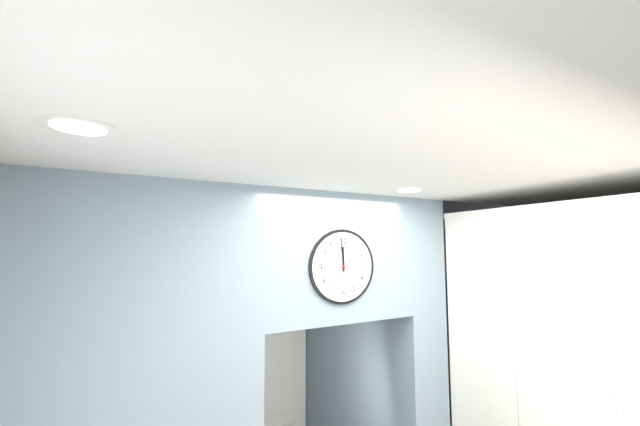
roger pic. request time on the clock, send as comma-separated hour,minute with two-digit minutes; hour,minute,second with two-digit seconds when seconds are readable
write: 11,59
